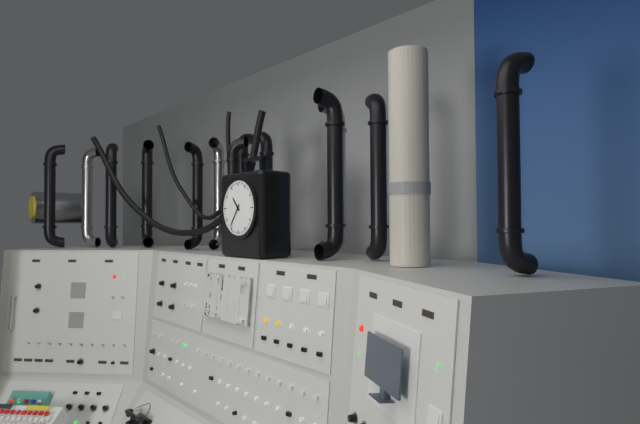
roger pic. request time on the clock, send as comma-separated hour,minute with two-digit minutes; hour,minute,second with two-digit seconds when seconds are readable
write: 10,36
